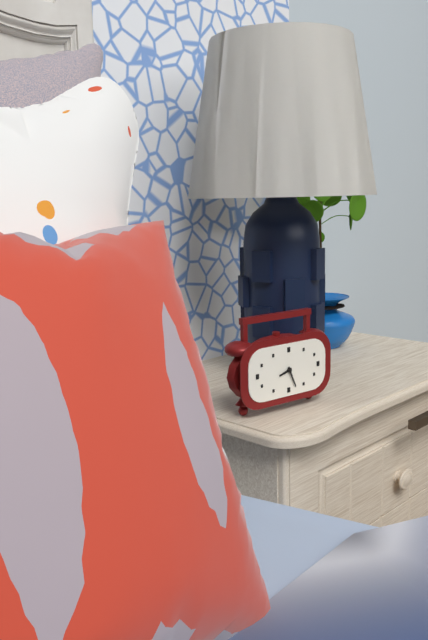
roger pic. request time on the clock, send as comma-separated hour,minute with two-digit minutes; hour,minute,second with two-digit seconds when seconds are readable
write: 8,26
